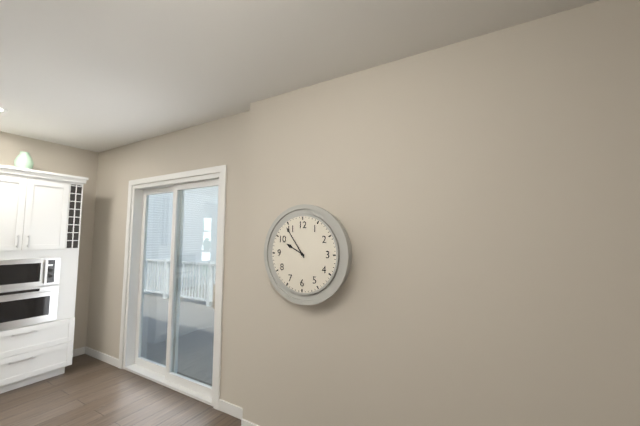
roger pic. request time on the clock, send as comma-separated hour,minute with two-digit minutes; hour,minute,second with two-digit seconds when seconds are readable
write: 9,54
